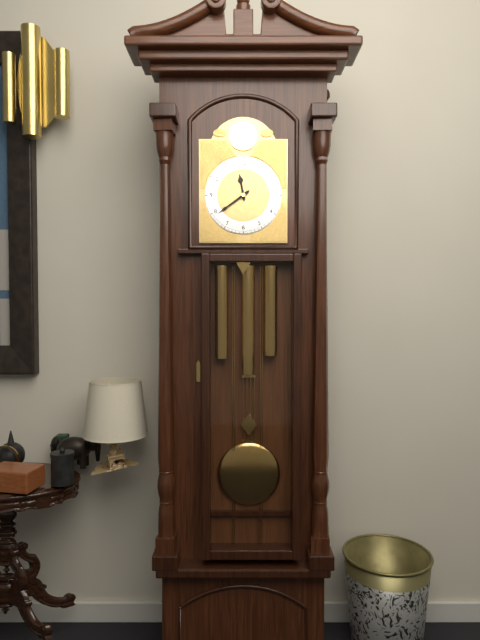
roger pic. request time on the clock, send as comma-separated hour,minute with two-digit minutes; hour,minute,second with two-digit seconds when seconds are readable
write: 11,39
